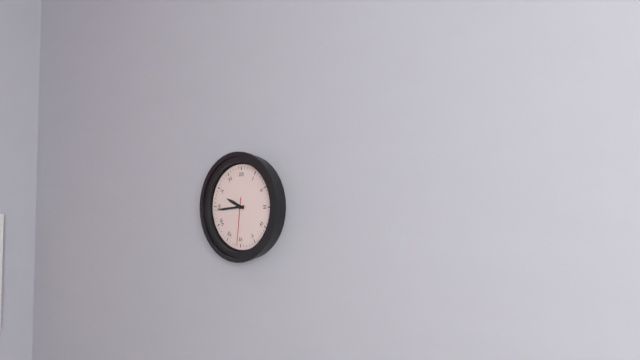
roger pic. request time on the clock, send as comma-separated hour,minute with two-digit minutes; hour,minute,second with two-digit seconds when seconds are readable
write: 9,44
